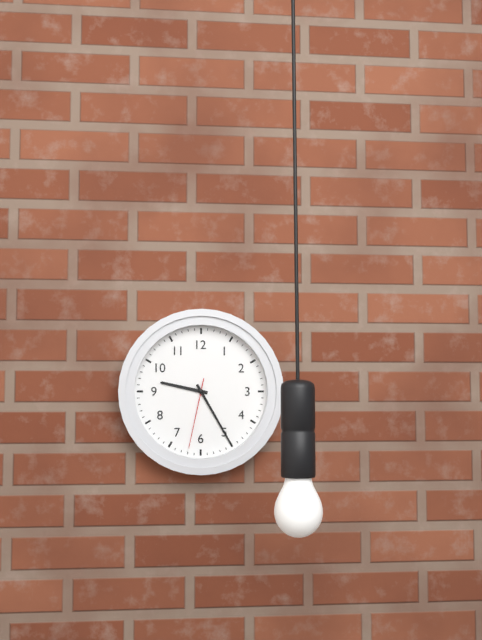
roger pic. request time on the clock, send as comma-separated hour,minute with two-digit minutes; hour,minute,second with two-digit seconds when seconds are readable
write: 9,25,32
